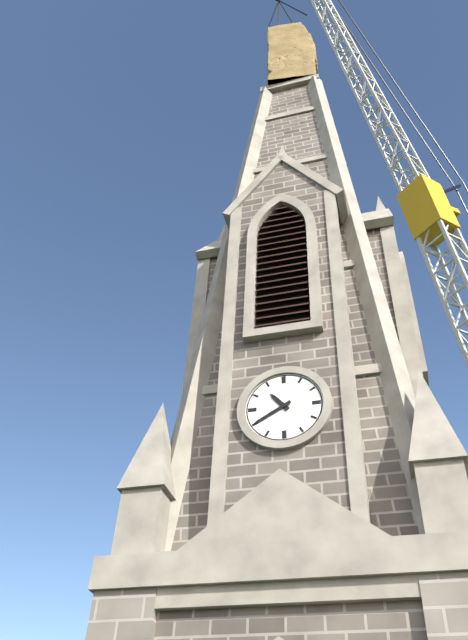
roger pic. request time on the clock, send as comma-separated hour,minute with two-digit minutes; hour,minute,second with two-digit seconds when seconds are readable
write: 10,40
